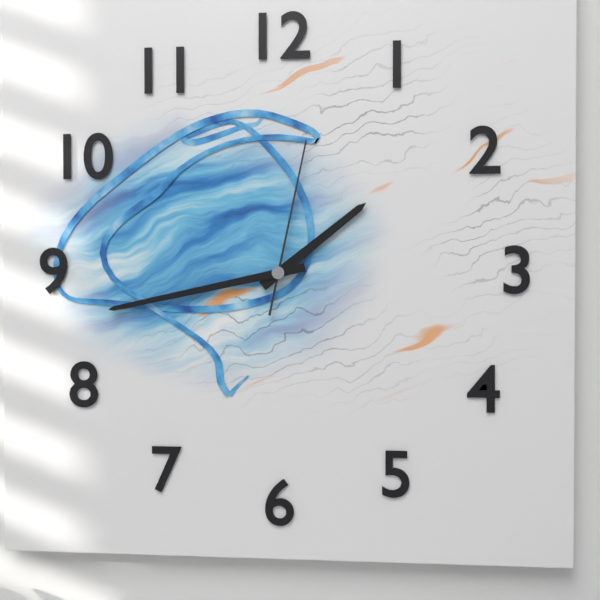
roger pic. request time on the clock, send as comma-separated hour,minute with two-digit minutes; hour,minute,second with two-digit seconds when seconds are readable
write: 1,43,02
